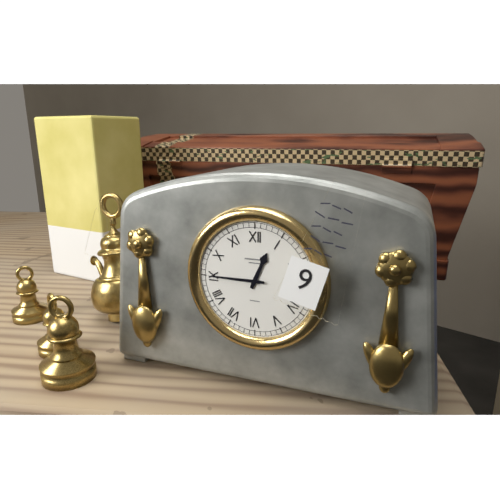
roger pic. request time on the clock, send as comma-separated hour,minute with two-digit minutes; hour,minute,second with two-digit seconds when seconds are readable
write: 12,45
